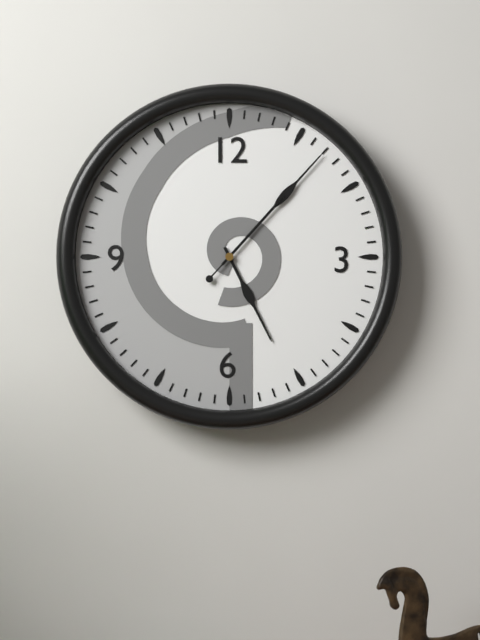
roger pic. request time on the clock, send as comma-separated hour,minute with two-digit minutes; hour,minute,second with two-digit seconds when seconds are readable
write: 5,07,07
